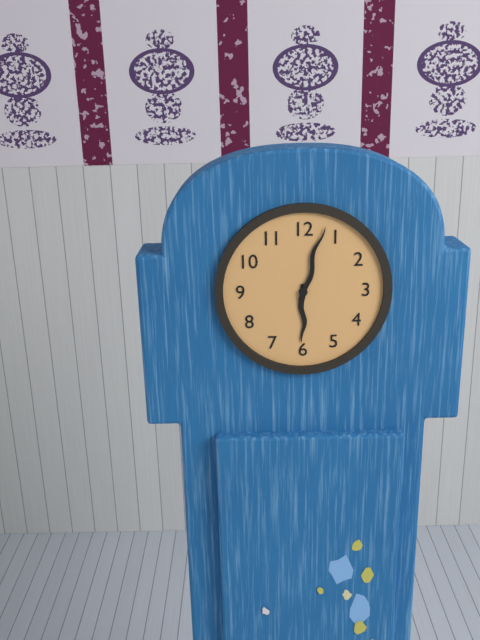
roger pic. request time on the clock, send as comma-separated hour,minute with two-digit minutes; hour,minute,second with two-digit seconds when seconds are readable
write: 6,03
